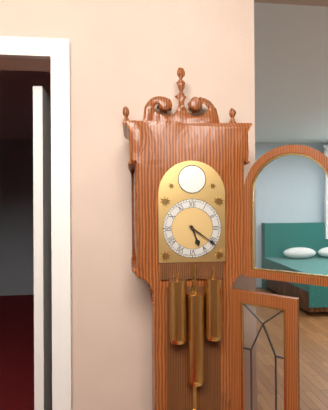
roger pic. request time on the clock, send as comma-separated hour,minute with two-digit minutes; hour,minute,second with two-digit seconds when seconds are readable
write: 5,21
